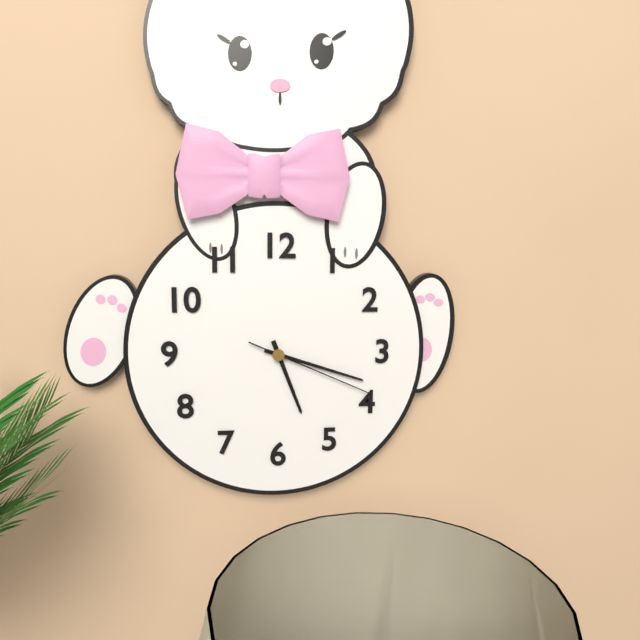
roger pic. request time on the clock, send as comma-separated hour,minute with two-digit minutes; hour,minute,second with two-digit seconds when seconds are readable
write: 5,18,19
